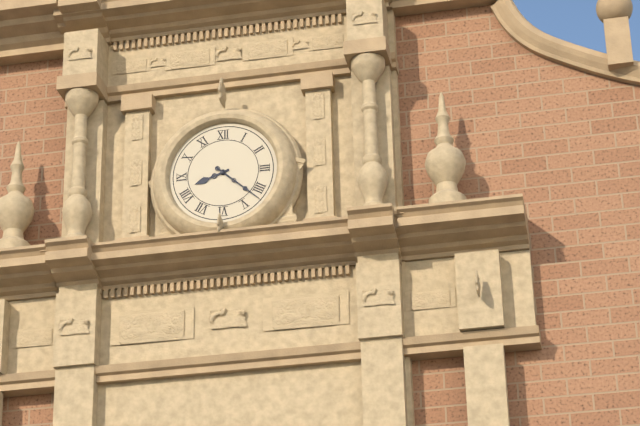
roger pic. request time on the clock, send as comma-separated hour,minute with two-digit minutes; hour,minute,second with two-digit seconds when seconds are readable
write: 8,22
